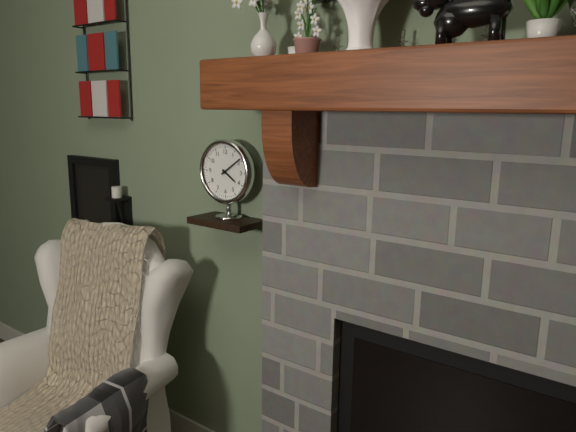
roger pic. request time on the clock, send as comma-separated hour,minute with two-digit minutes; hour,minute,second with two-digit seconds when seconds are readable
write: 4,09
